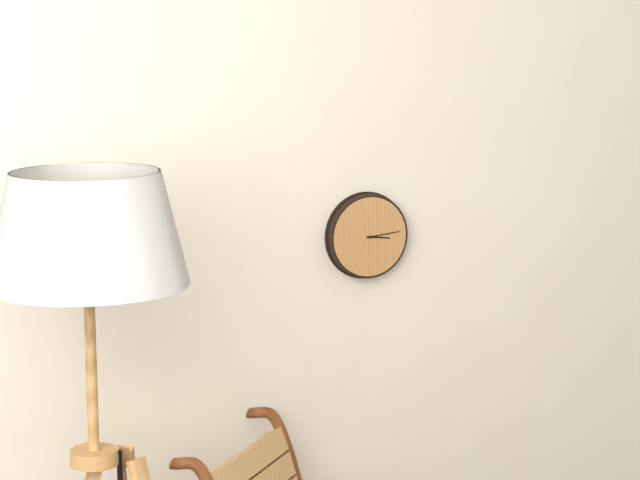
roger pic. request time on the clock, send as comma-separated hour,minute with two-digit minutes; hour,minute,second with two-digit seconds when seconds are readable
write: 3,14
